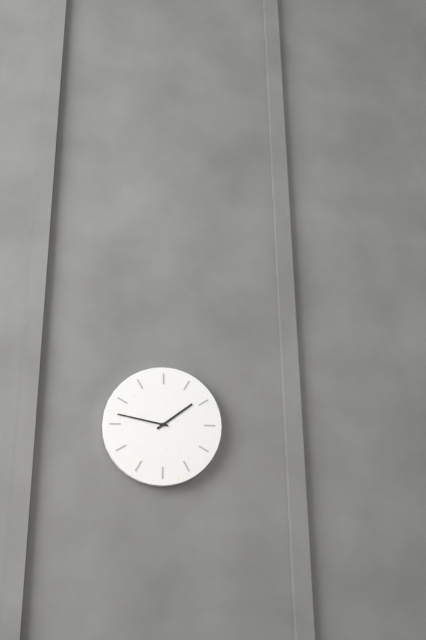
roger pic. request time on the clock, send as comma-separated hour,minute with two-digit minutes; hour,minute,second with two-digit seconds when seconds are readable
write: 1,47
